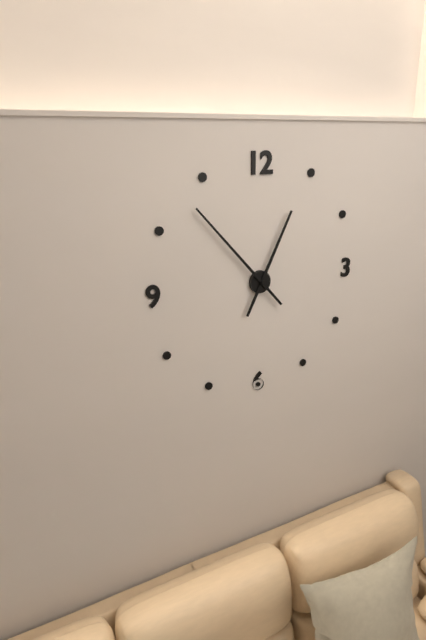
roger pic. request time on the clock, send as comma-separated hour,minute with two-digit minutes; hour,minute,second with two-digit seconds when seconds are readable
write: 12,53
